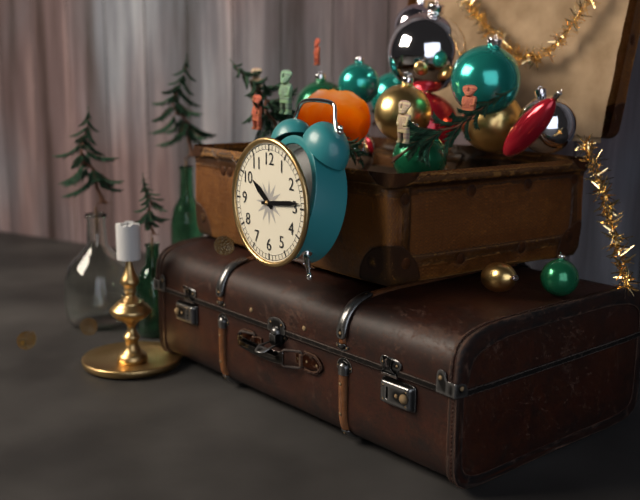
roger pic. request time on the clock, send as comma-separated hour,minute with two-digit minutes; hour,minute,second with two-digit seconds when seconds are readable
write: 10,14
